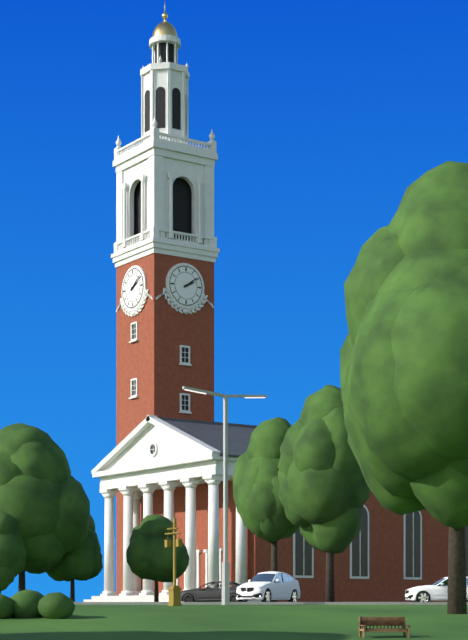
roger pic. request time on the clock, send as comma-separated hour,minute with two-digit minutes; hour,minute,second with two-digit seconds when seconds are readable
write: 2,09
